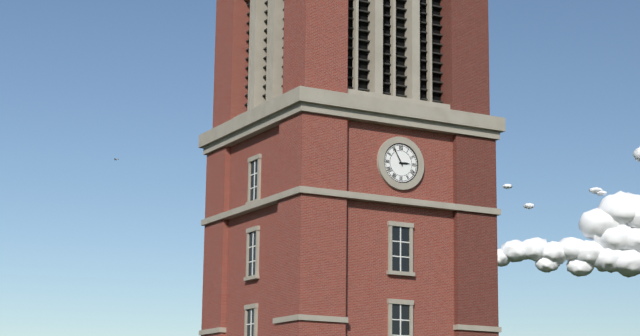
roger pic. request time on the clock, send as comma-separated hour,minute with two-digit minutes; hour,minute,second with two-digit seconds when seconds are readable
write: 2,55
